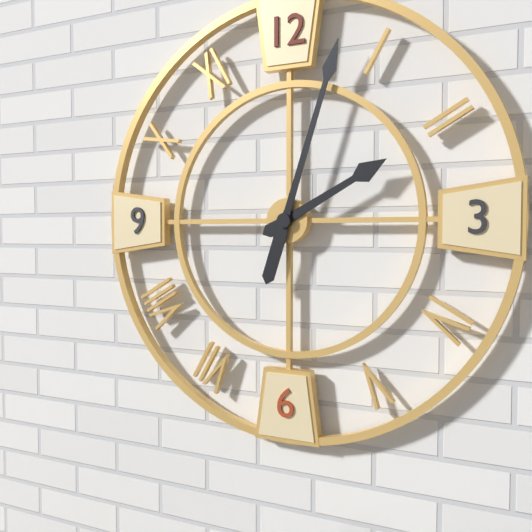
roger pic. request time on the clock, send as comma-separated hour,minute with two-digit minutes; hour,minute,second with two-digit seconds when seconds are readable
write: 2,03
